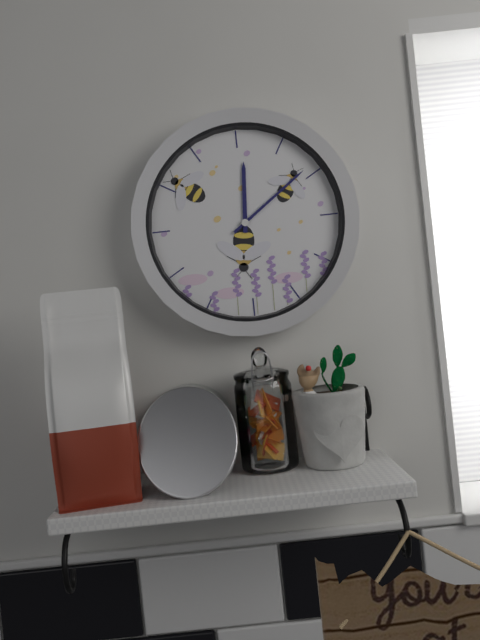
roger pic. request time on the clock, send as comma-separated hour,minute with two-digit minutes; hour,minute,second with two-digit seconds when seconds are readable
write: 12,09
